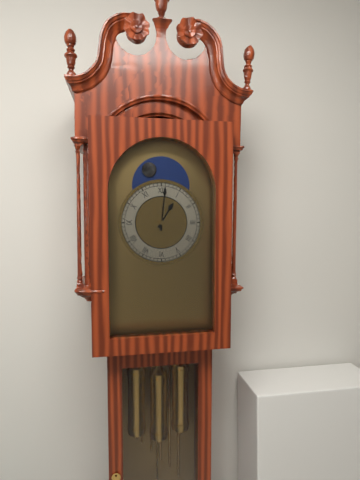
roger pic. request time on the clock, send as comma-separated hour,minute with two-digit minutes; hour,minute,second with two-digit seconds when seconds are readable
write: 1,01
